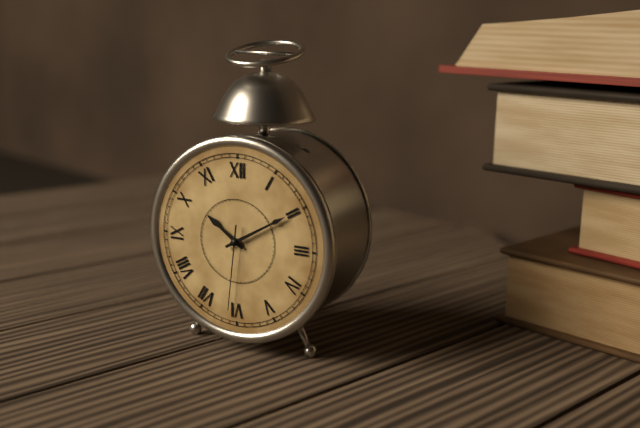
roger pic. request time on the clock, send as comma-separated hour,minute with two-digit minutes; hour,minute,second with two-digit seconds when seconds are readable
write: 10,10,31
